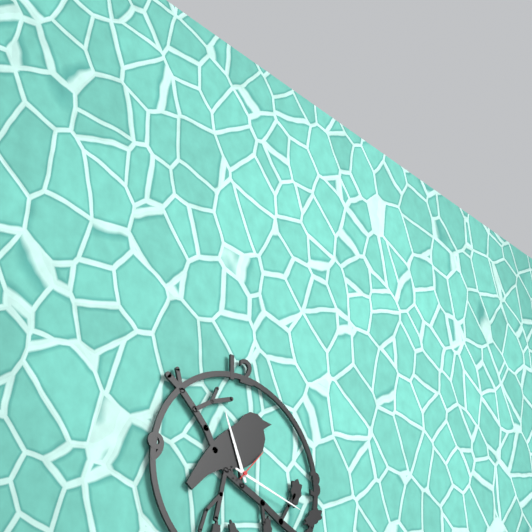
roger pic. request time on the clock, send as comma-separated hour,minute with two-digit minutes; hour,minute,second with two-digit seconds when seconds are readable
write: 11,18
